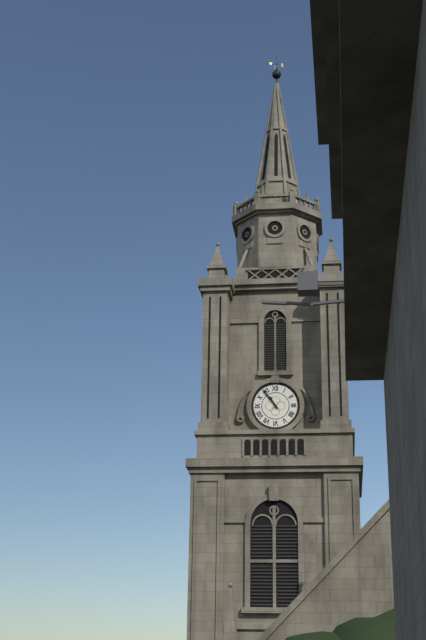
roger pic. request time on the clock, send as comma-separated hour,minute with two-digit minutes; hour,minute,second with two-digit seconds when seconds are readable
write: 10,54
